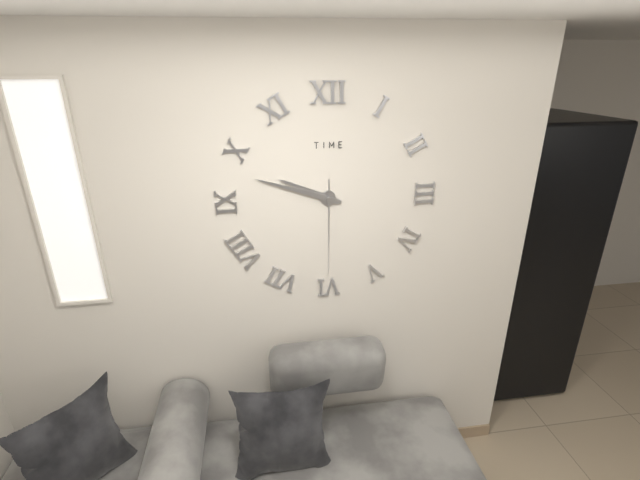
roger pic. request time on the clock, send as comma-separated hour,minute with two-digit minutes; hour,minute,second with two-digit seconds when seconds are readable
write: 9,48,30
